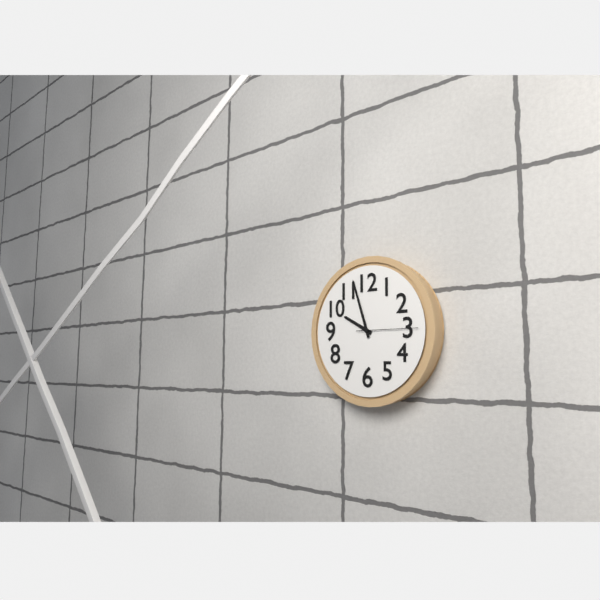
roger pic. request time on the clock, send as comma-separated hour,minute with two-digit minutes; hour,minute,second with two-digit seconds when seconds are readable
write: 9,57,15
